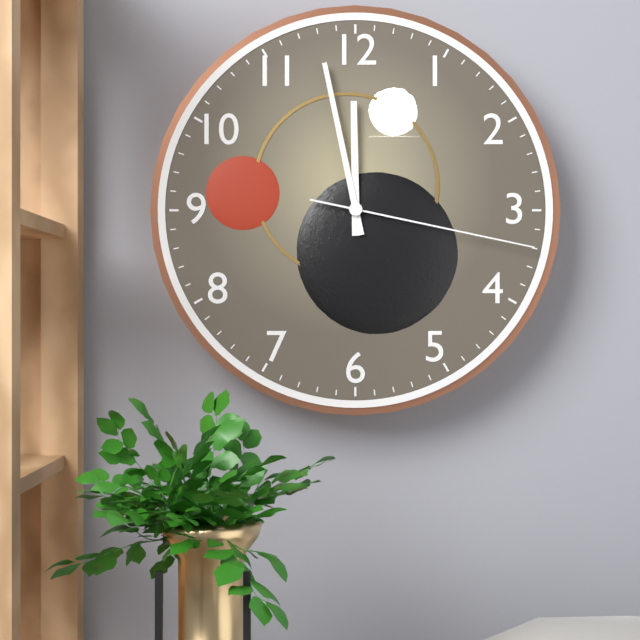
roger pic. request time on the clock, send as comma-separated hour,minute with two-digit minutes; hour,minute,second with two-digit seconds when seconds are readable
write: 11,58,17
